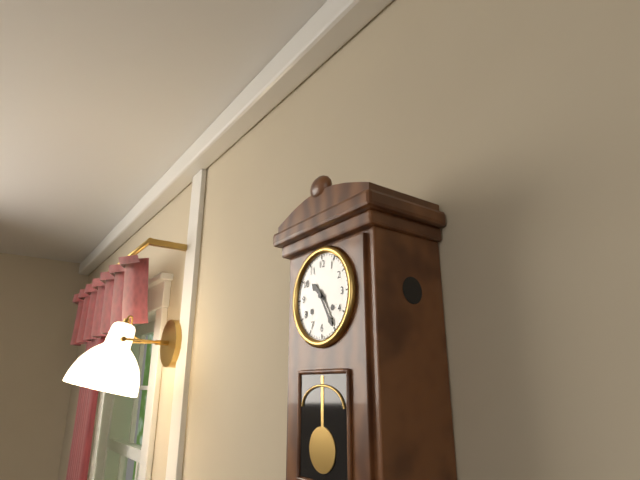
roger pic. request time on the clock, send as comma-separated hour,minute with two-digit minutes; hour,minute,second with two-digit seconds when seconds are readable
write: 10,25
